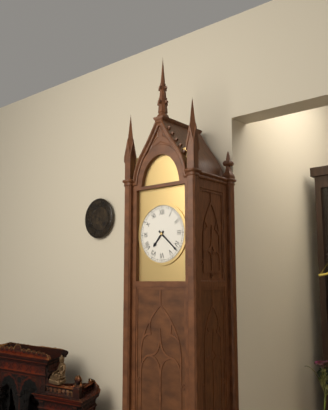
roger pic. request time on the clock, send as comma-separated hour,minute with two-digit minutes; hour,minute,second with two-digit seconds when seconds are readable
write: 7,22
